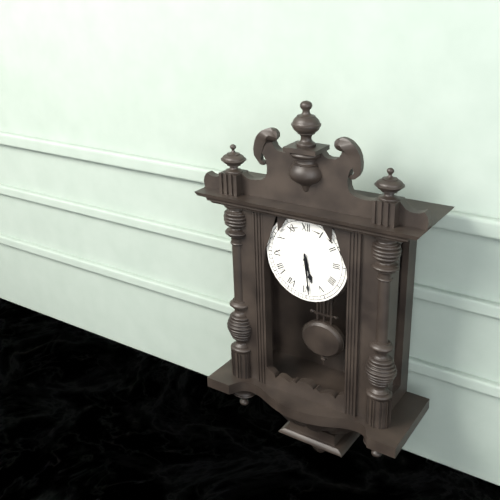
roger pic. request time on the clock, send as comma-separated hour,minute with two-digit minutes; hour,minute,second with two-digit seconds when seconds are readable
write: 5,29
